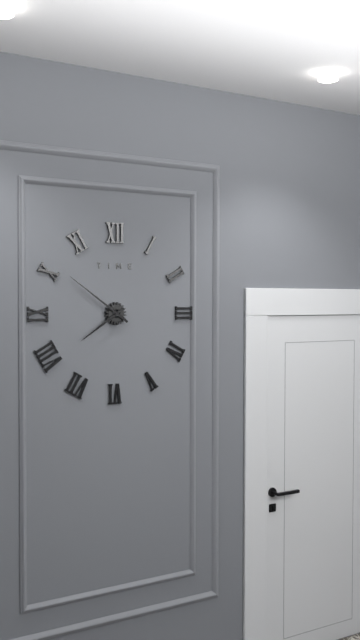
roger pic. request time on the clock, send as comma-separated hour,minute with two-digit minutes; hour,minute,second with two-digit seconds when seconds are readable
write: 7,51
